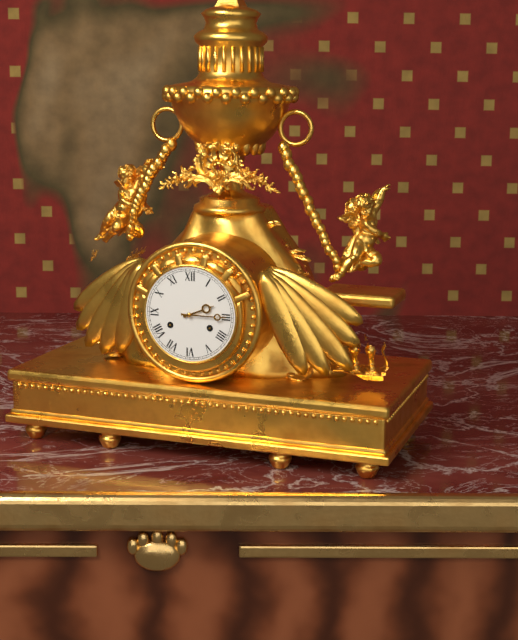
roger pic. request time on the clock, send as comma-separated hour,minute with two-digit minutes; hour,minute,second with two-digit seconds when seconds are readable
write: 2,15
